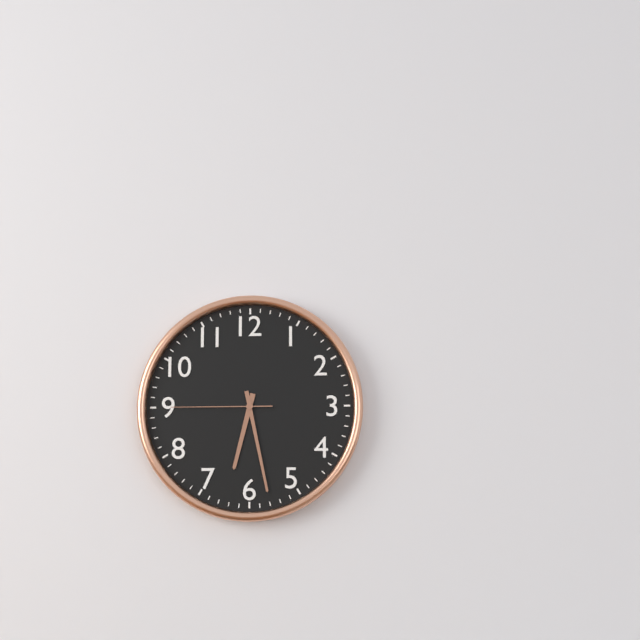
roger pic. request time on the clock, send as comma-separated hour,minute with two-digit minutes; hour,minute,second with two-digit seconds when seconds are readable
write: 6,28,45
